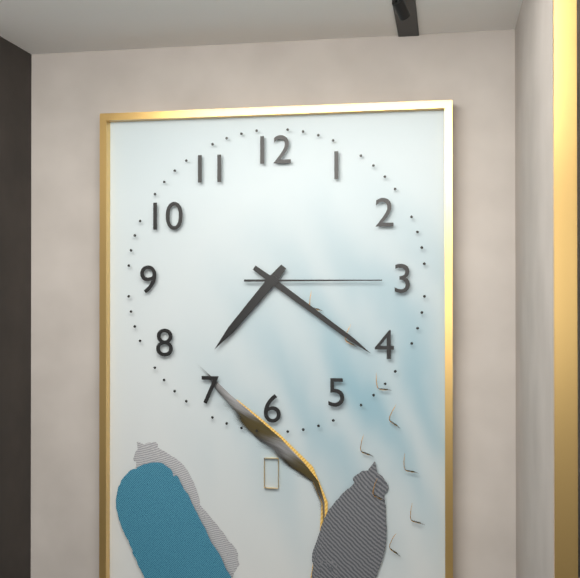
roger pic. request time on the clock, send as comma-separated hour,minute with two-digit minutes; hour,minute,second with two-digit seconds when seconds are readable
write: 7,21,15
